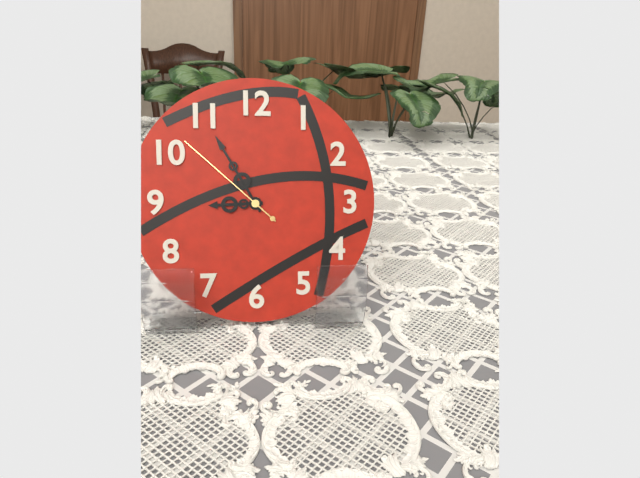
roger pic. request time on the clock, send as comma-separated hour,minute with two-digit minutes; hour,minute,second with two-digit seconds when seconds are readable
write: 8,55,52
